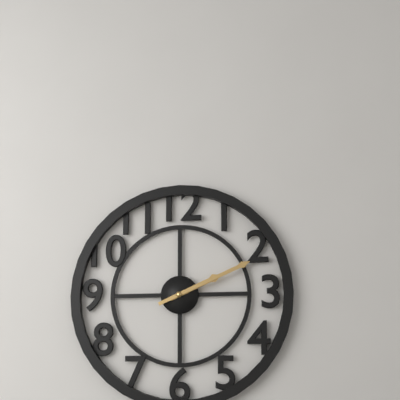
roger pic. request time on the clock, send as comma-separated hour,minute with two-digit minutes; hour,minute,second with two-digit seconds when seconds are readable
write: 2,11
